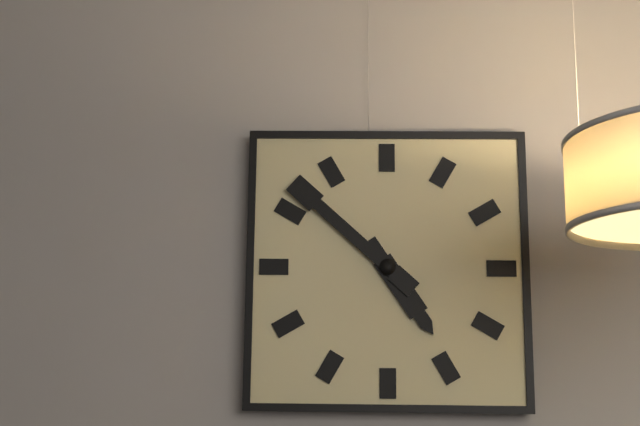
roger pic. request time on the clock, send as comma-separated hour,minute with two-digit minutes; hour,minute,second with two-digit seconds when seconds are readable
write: 4,52
